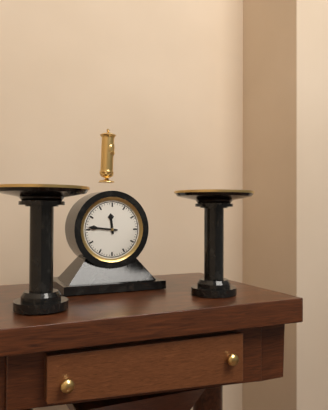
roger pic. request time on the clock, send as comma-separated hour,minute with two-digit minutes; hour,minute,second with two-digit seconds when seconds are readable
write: 11,46
